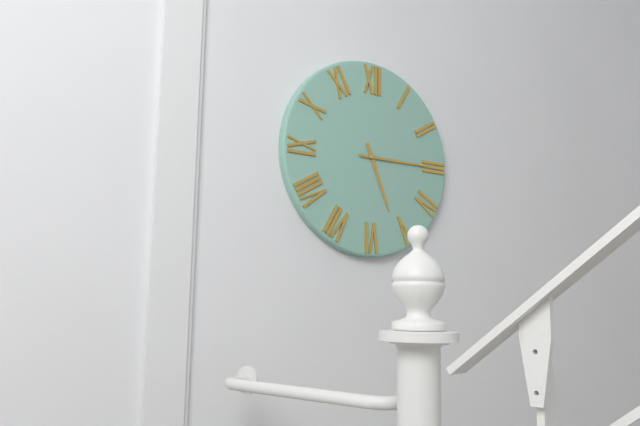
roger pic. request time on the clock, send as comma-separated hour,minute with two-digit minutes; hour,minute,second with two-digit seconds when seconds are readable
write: 5,15
